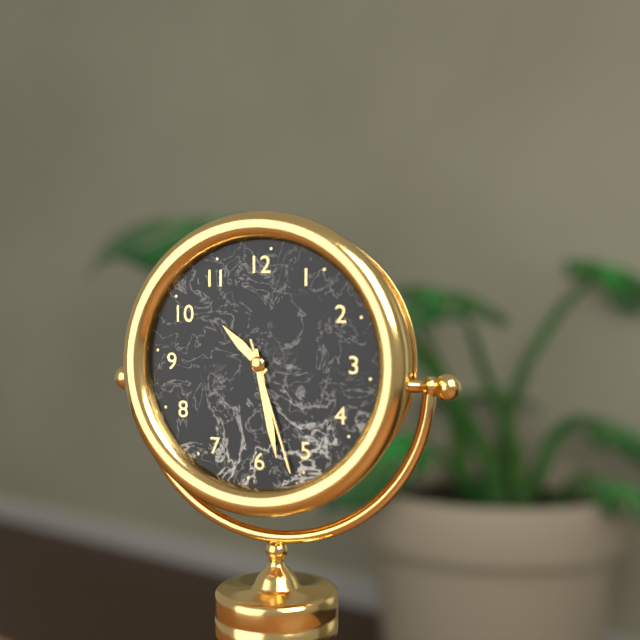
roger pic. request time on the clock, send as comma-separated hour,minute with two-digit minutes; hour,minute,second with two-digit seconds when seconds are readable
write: 10,28,27
